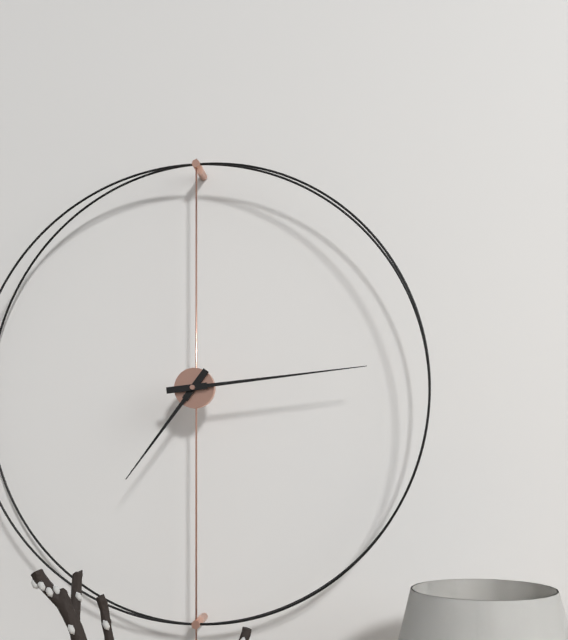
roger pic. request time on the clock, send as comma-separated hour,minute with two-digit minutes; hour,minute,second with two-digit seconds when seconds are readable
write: 7,14
